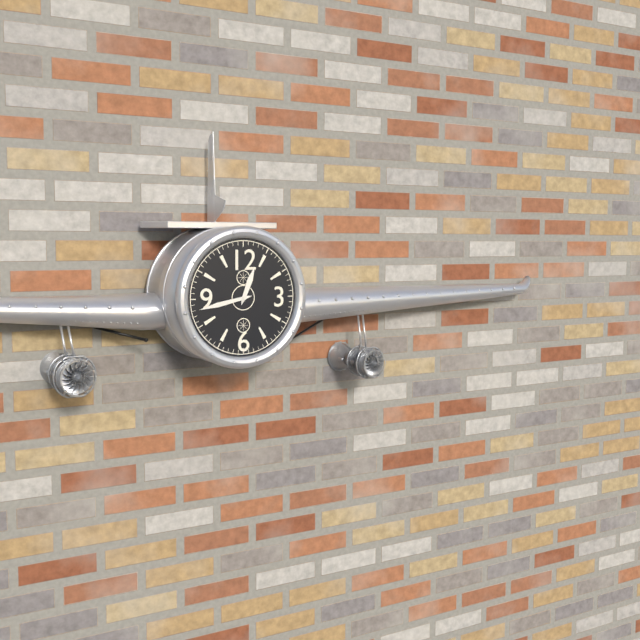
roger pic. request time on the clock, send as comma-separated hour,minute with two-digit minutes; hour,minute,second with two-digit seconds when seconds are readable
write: 12,43
